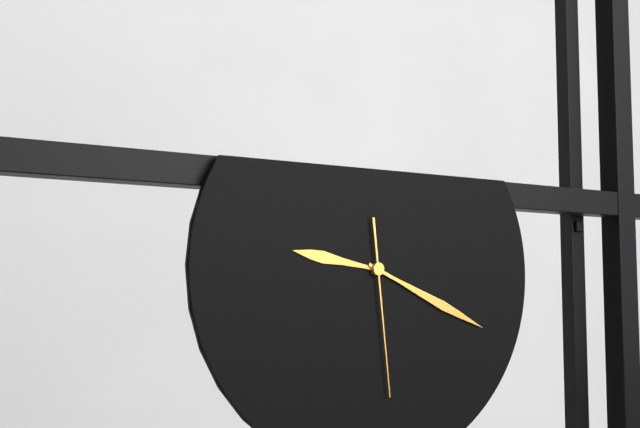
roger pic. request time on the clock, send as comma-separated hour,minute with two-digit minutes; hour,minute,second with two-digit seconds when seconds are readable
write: 9,19,29
